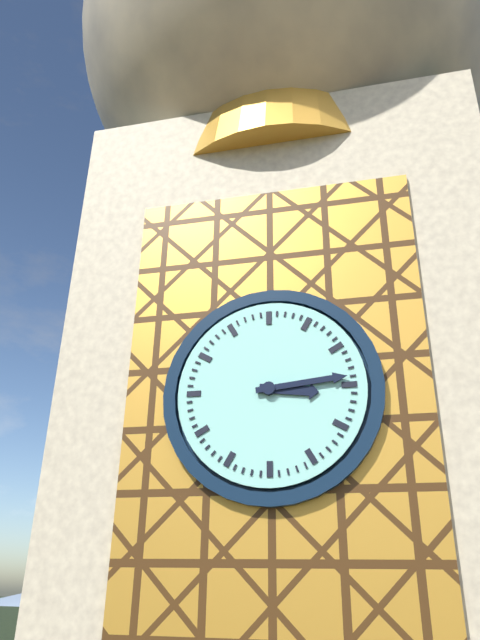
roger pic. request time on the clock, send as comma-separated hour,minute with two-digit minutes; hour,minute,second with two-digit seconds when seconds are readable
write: 3,14
